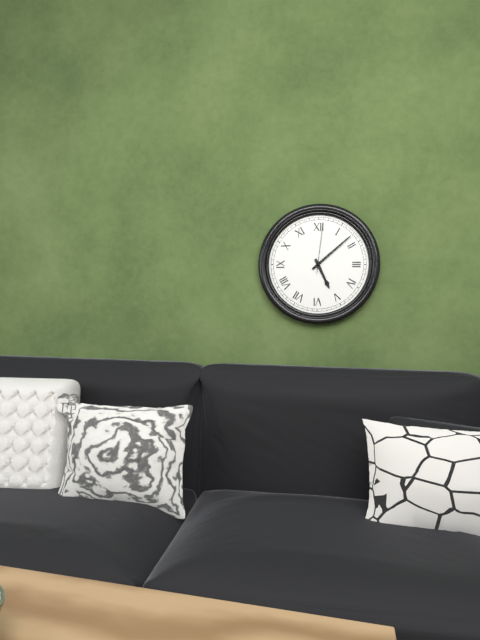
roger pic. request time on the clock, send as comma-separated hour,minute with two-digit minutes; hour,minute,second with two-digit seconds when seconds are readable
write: 5,08,01
